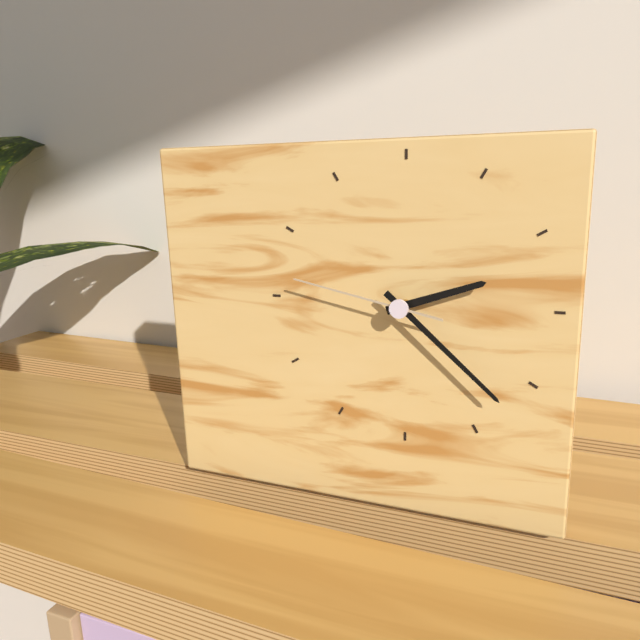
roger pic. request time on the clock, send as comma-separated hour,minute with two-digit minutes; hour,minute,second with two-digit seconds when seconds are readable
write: 2,22,47
